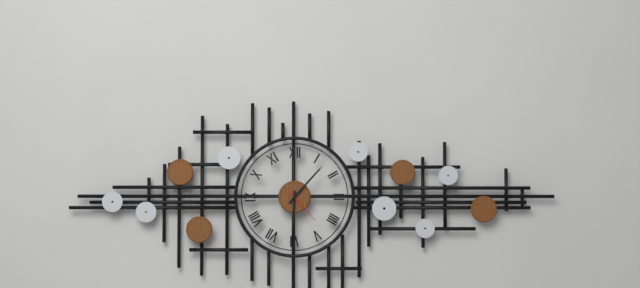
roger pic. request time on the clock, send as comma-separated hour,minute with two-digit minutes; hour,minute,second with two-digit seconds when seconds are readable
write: 6,07
